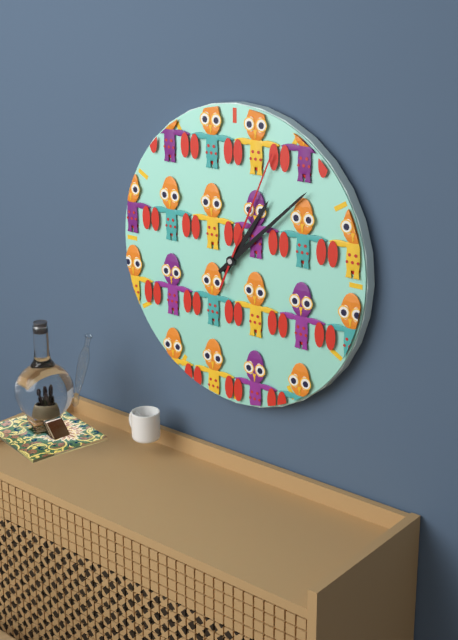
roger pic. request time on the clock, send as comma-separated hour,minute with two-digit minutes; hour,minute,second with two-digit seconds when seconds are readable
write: 1,08,04
